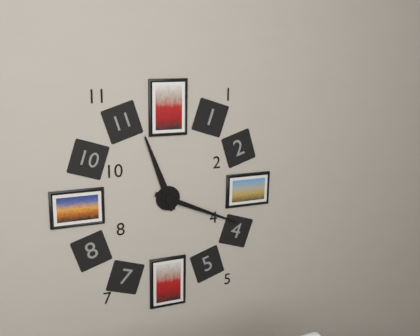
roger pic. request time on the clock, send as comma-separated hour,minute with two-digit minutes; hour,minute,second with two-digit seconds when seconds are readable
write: 11,19
